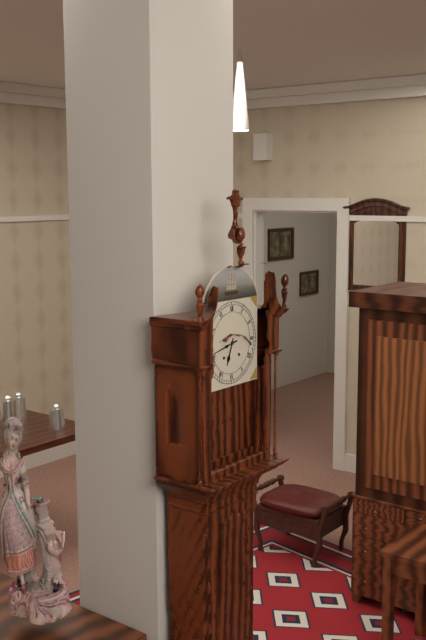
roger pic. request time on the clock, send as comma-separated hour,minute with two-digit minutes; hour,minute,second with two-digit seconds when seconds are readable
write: 6,43
